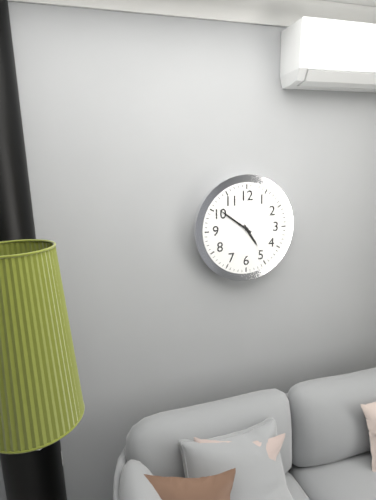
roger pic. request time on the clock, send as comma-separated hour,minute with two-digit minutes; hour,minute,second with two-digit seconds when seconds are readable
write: 4,51
